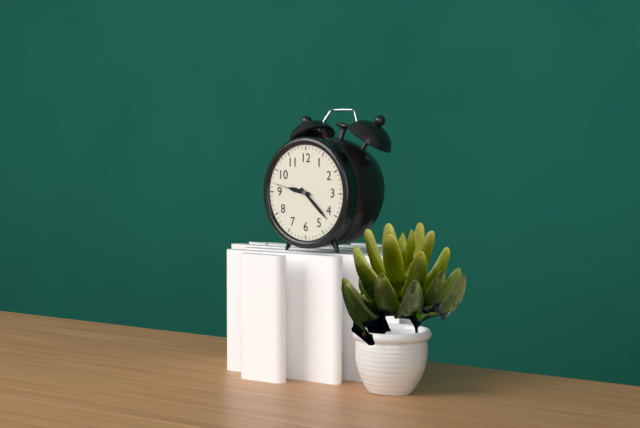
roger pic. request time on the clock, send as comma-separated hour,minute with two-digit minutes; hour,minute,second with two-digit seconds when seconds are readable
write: 9,22
